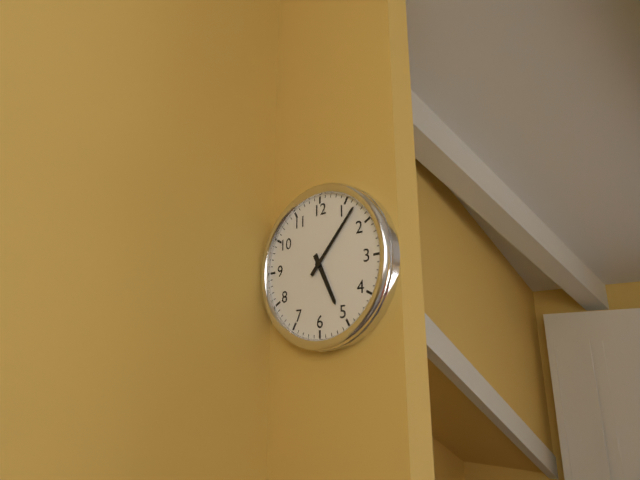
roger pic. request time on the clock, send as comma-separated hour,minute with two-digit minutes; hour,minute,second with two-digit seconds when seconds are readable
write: 5,07
